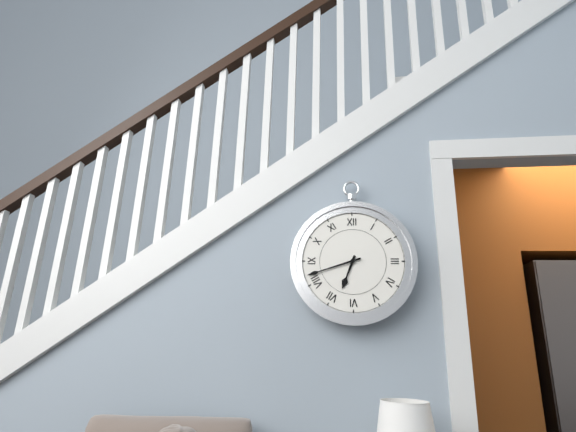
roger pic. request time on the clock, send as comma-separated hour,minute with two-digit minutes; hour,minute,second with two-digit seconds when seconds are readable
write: 6,42
